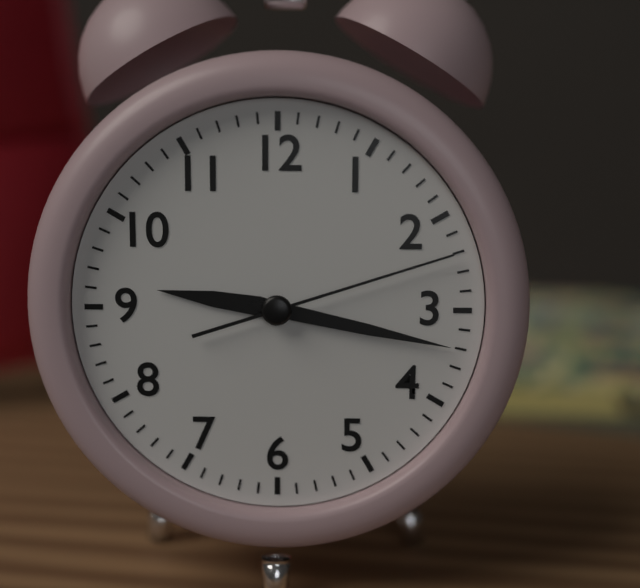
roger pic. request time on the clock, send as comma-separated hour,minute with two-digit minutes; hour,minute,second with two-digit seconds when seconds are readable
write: 9,17,12
